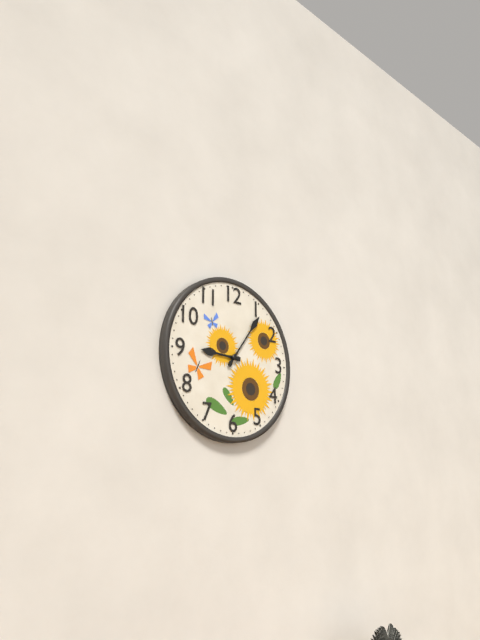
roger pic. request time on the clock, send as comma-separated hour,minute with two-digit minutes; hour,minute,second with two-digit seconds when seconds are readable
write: 9,06
